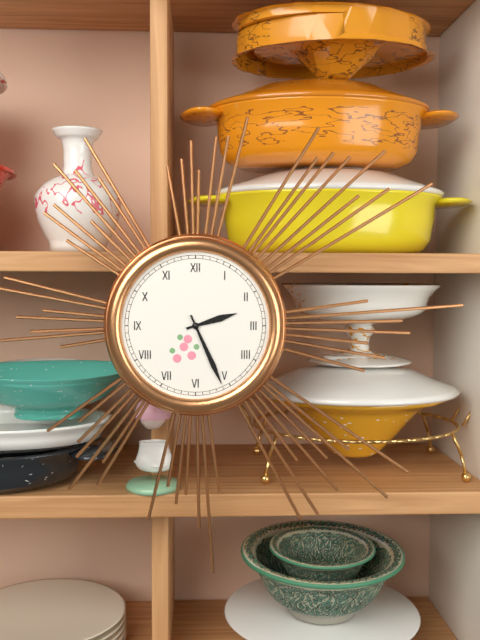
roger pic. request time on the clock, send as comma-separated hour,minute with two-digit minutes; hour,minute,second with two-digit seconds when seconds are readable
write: 2,26
